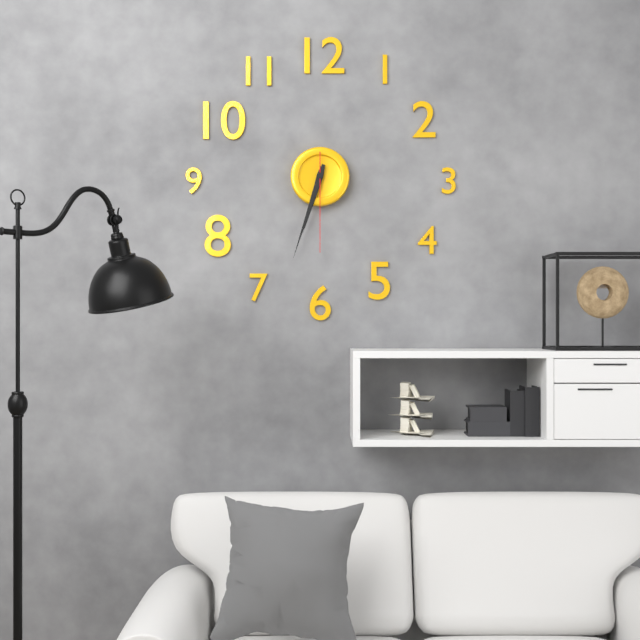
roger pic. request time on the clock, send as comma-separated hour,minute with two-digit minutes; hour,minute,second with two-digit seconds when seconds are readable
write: 6,33,30
